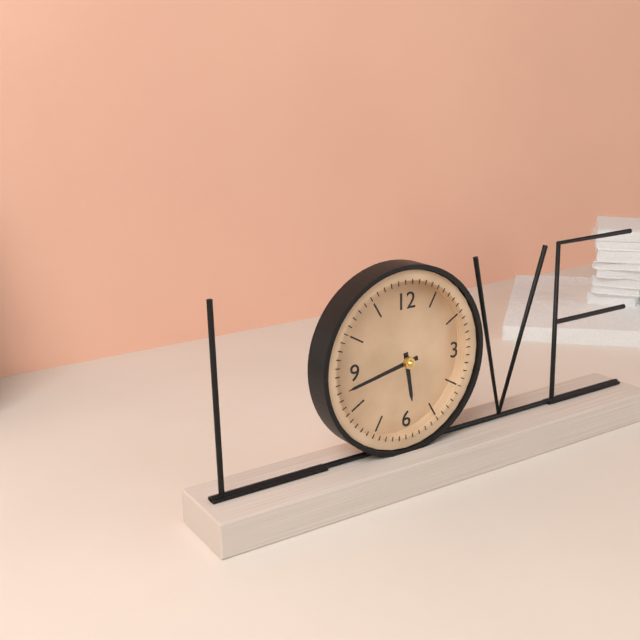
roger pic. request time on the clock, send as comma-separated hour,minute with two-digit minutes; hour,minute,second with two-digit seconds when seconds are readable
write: 5,43
